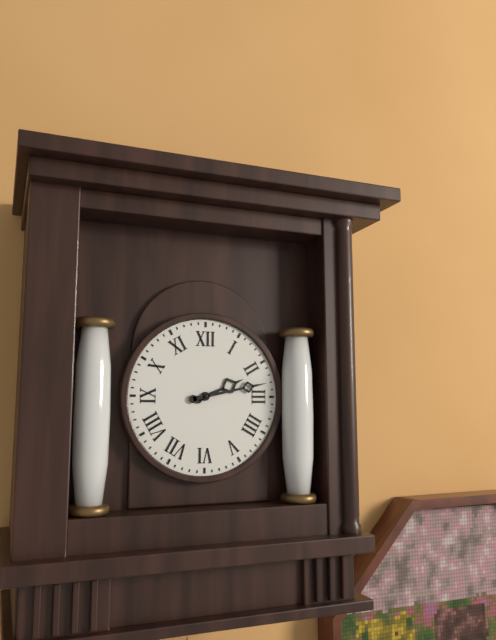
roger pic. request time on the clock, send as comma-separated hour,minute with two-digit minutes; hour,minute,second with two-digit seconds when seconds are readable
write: 2,13
